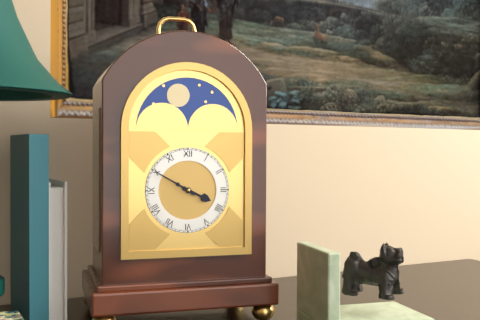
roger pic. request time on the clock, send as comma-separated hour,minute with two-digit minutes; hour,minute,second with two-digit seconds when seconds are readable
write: 3,50
